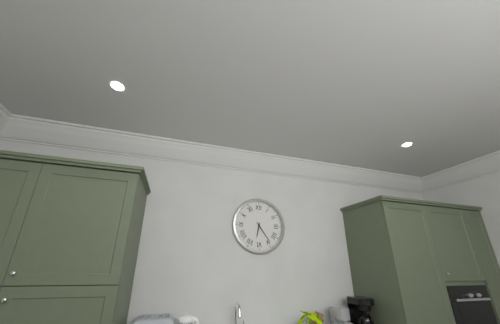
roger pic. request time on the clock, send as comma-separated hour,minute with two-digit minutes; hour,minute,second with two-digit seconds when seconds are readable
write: 6,24
